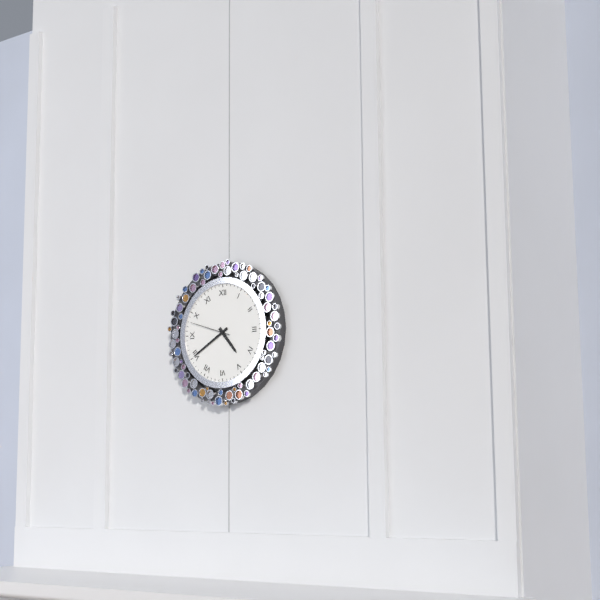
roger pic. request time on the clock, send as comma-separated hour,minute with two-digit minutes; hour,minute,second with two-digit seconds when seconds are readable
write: 4,40
